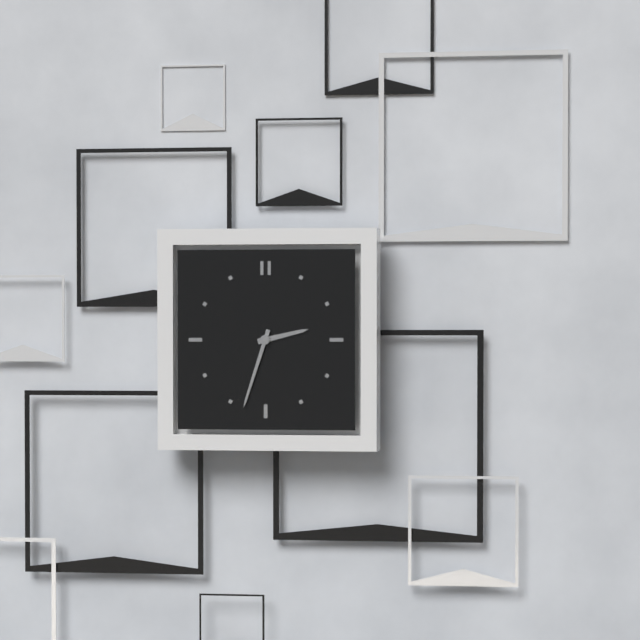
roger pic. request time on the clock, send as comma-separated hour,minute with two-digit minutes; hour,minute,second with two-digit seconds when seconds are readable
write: 2,33
